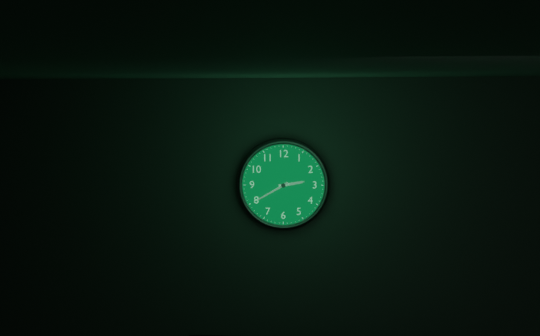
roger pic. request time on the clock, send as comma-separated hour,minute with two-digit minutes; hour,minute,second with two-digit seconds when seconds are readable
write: 2,40
